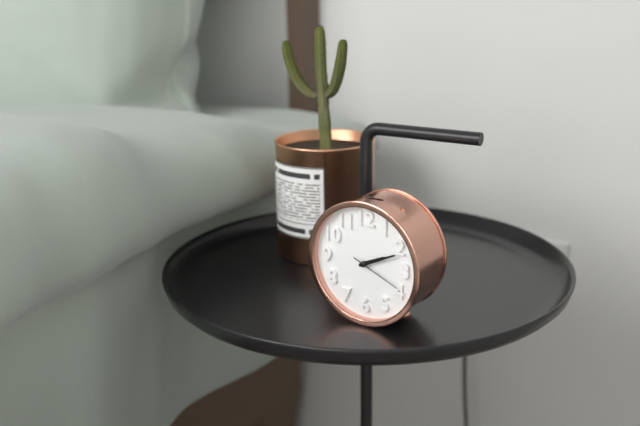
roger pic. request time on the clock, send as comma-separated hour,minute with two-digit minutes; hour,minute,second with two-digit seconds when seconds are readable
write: 2,11,19
